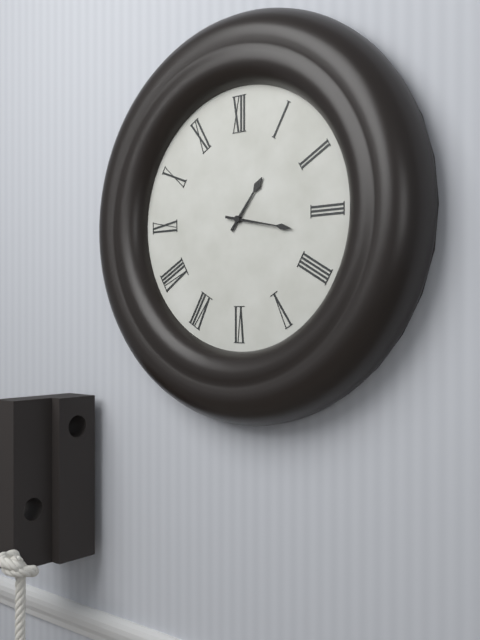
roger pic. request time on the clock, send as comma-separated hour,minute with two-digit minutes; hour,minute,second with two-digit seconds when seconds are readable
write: 1,17
